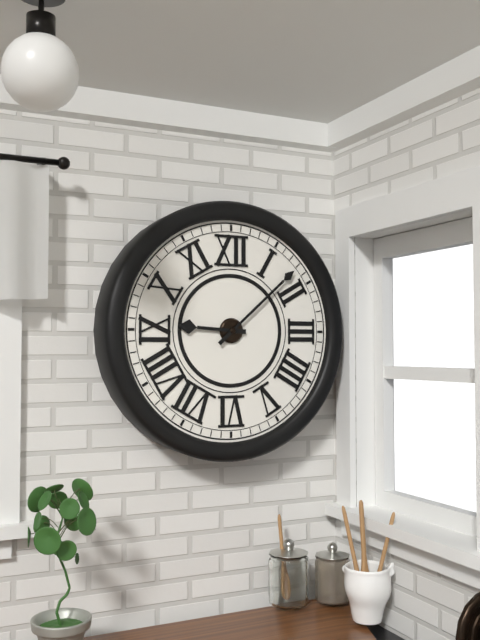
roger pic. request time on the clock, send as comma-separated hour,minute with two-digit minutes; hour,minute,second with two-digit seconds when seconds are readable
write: 9,08
